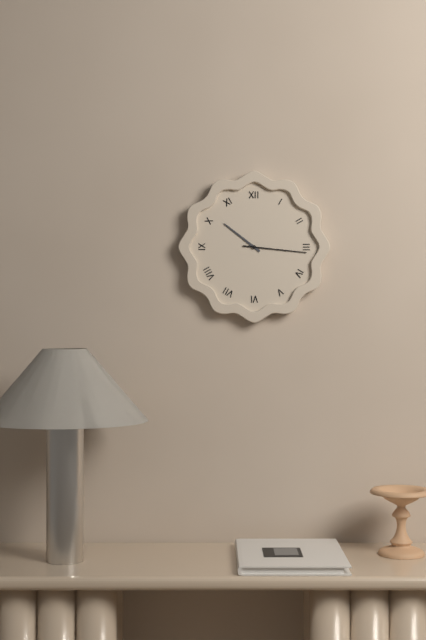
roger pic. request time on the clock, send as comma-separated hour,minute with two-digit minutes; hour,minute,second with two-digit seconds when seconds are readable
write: 10,16
